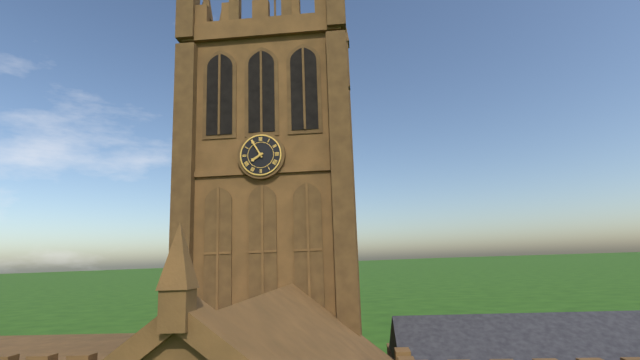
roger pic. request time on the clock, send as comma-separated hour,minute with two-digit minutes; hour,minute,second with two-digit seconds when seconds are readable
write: 7,55
